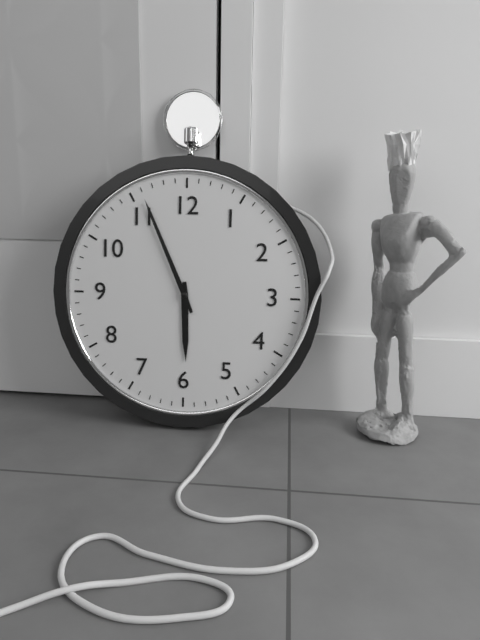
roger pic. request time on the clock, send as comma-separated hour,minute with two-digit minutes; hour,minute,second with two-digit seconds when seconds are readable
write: 5,56
